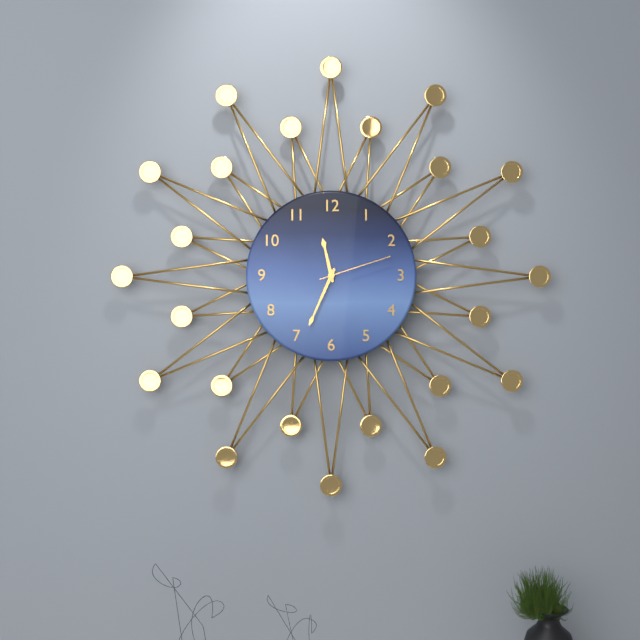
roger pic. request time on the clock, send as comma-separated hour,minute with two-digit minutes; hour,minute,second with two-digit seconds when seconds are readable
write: 11,34,12
